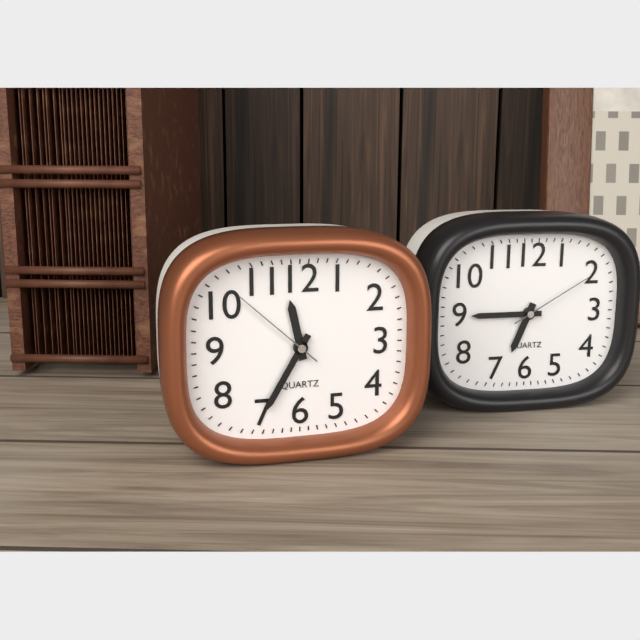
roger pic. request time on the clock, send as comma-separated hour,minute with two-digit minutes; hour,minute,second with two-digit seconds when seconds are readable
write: 11,35,52
